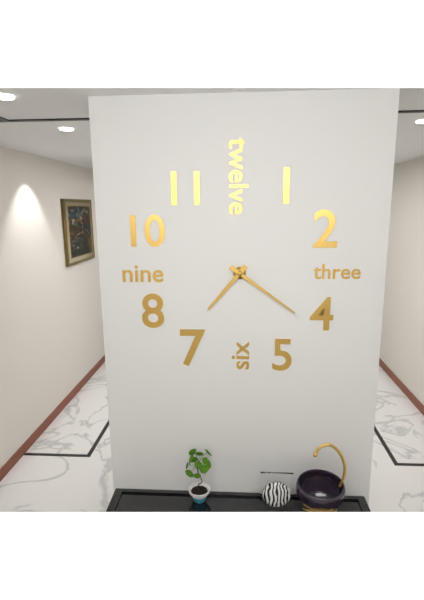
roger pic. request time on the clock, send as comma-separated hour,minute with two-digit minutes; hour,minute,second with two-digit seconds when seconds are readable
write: 7,21
